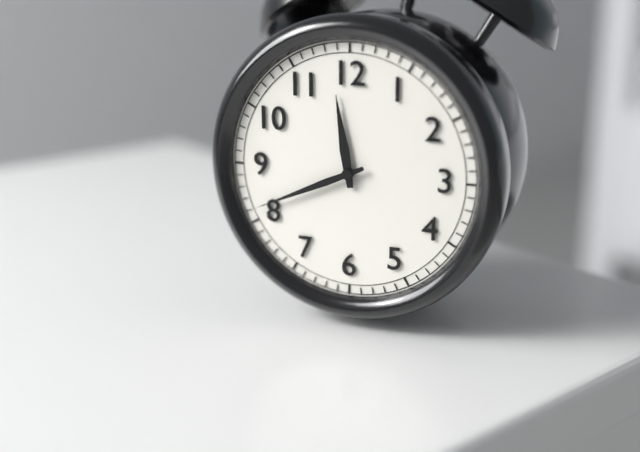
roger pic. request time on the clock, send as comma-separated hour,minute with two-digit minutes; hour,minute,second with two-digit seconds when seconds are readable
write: 11,41
